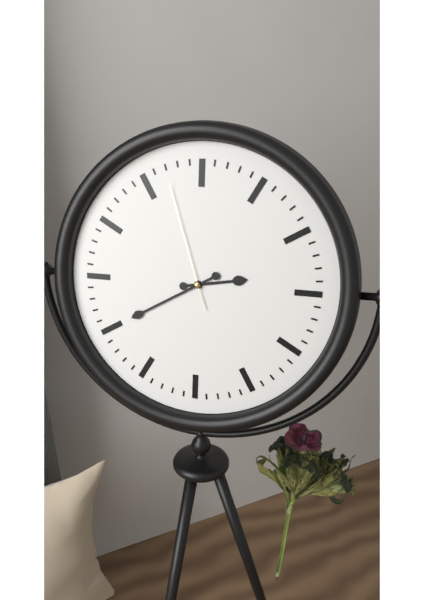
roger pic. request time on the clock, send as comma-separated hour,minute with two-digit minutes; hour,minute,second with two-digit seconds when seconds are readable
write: 2,40,57
